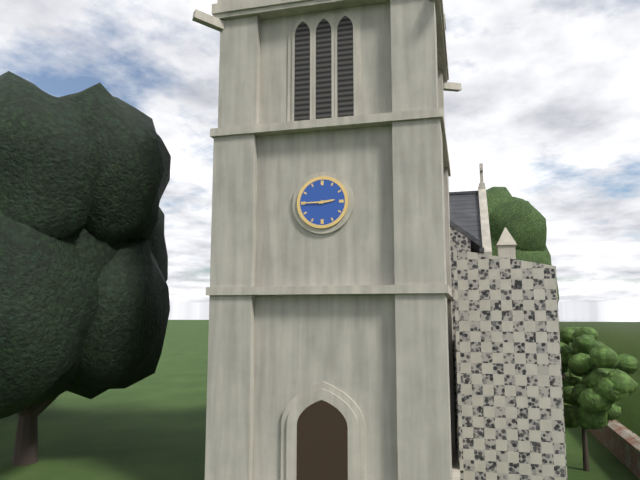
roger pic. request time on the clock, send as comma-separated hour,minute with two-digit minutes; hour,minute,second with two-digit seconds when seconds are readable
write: 2,45
